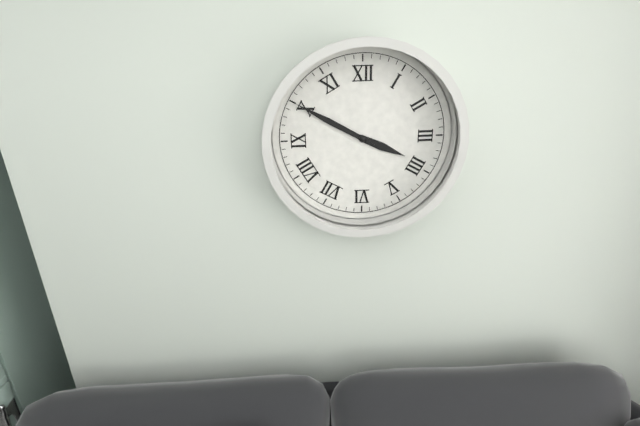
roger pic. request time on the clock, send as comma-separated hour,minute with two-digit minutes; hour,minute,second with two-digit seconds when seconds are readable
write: 3,50
